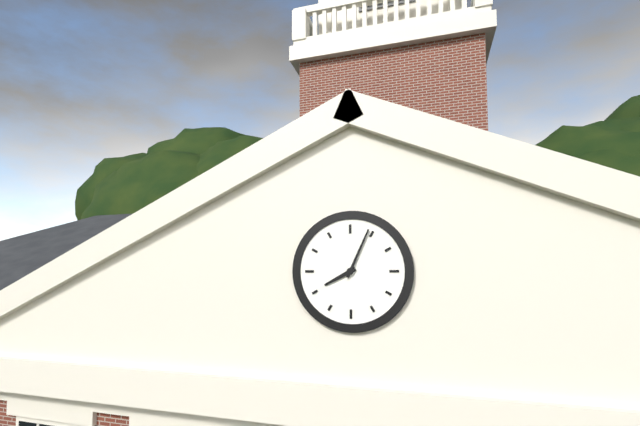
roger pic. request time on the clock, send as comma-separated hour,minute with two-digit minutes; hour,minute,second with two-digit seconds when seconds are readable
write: 8,04
